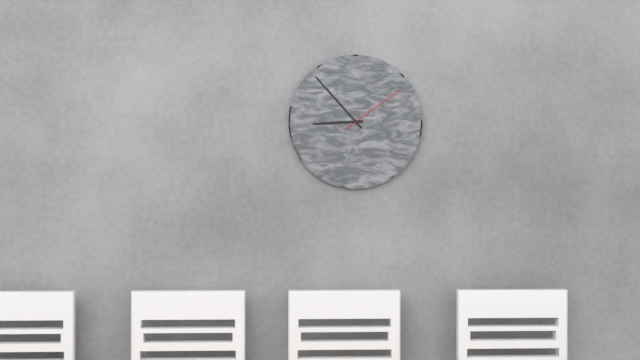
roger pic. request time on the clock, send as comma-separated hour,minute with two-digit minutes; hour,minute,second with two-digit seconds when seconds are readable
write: 8,53,09
